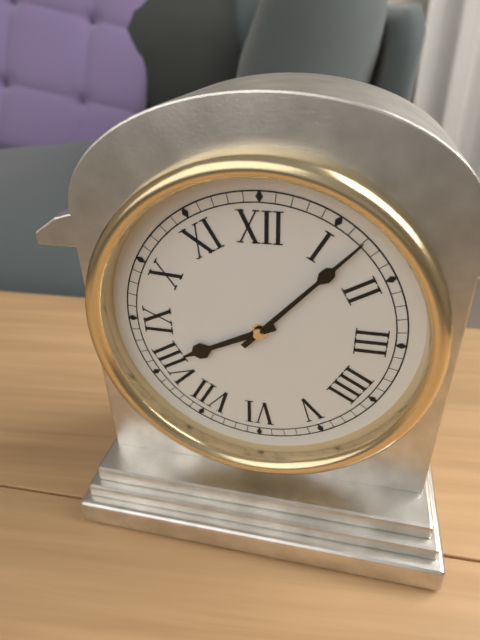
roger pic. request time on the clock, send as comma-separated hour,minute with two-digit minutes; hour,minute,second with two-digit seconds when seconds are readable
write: 8,07
